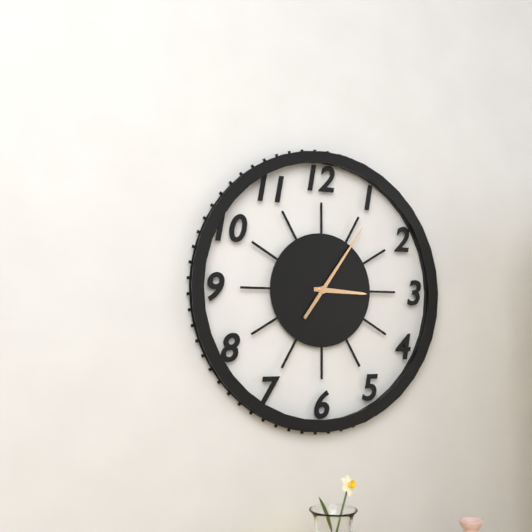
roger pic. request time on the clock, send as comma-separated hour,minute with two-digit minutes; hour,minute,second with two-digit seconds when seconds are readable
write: 3,06
